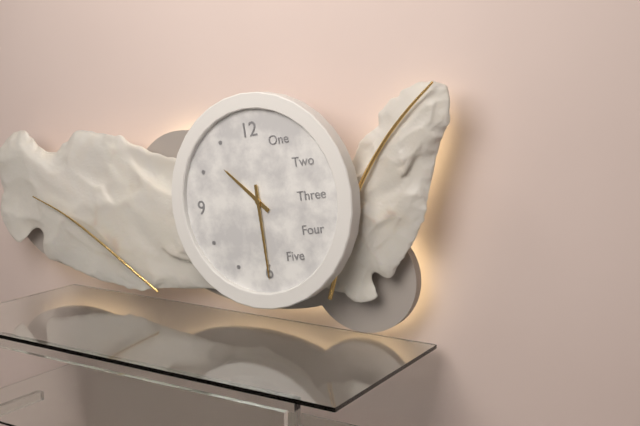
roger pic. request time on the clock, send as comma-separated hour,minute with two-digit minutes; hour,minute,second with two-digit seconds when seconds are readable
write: 10,30
